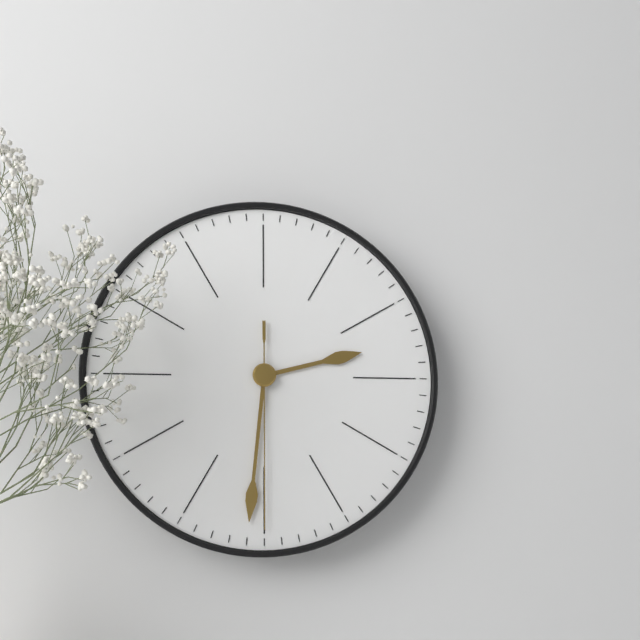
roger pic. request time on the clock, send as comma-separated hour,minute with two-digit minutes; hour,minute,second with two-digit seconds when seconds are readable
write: 2,31,30
